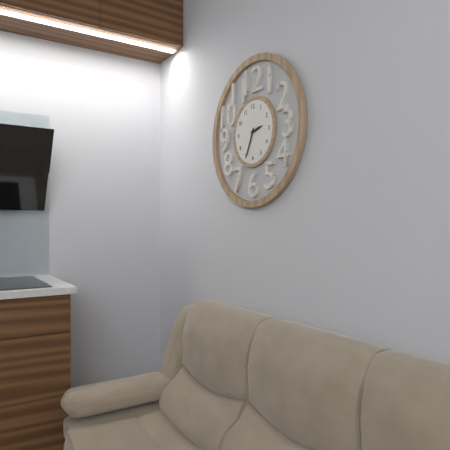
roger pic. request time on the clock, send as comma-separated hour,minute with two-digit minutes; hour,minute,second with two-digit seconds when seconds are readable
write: 2,34
